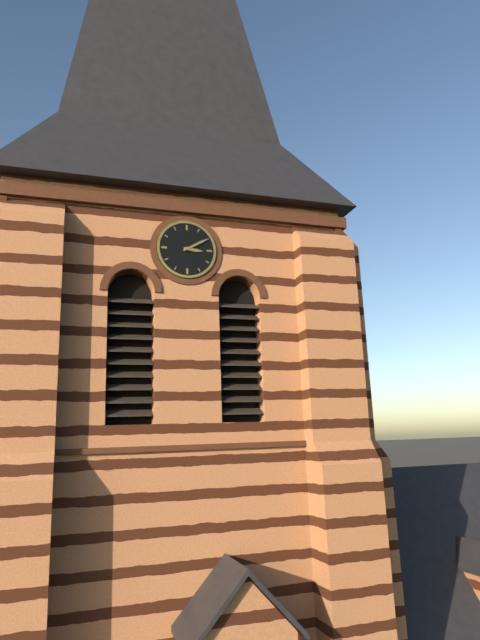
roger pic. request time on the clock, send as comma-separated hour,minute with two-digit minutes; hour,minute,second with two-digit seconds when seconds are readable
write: 3,10
